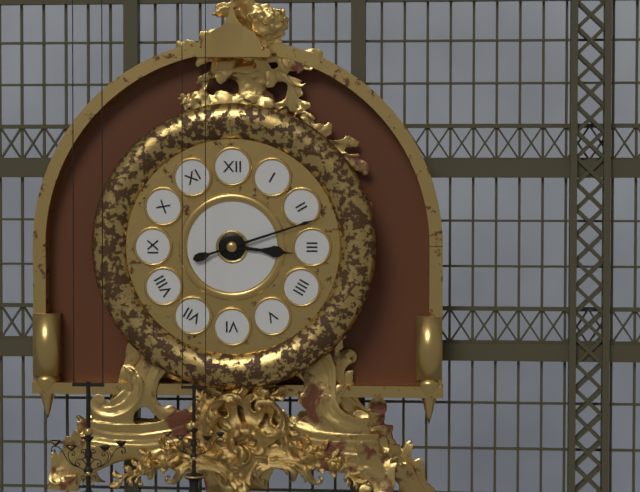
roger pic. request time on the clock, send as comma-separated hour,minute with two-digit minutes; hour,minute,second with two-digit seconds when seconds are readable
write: 3,12
